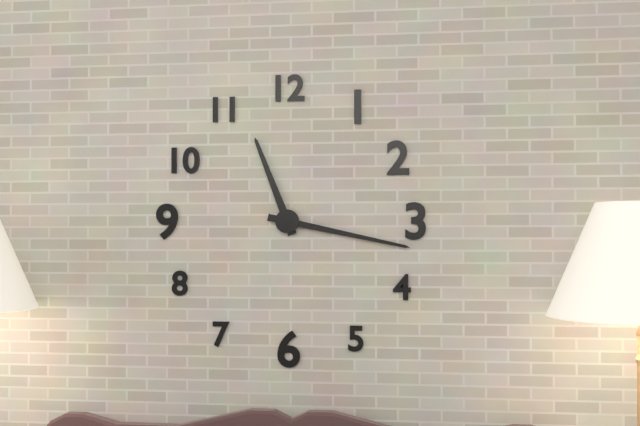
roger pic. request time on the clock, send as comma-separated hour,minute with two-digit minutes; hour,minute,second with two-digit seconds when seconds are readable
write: 11,17
